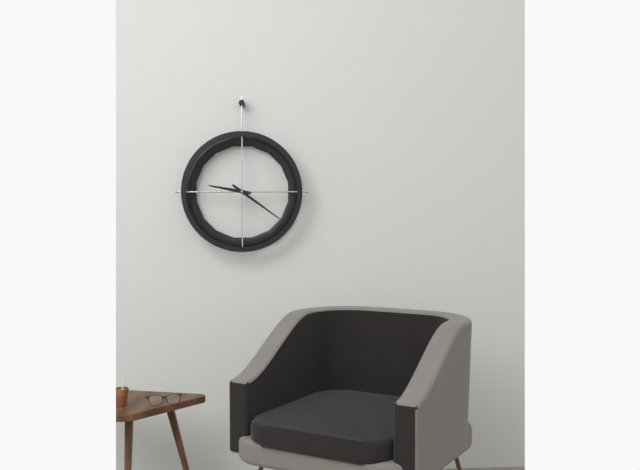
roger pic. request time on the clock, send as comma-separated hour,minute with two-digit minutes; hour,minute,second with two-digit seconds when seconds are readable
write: 9,21
